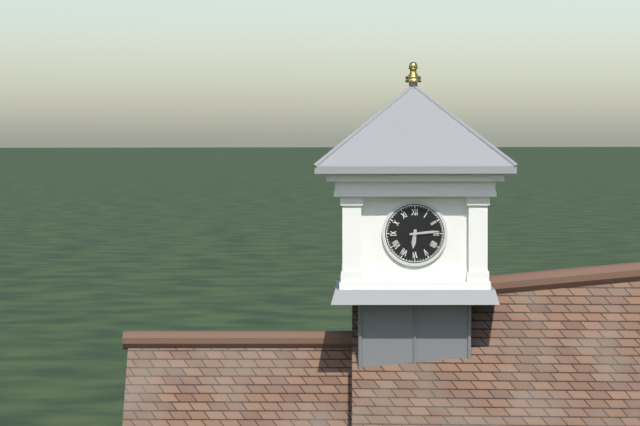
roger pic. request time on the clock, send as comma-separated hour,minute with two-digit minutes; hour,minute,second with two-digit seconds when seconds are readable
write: 6,14
